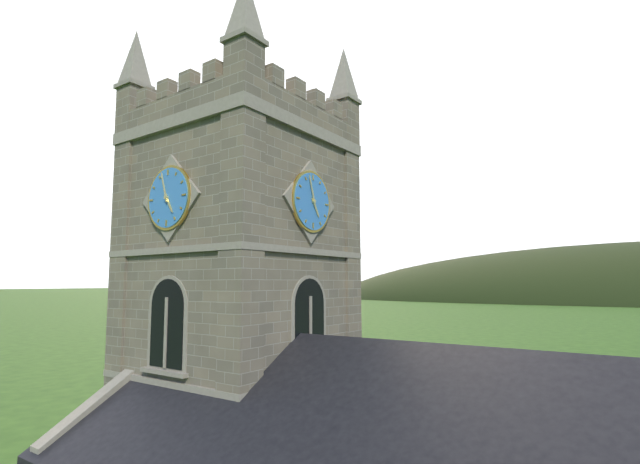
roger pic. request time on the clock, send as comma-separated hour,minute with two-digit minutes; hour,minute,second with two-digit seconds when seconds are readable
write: 4,57
